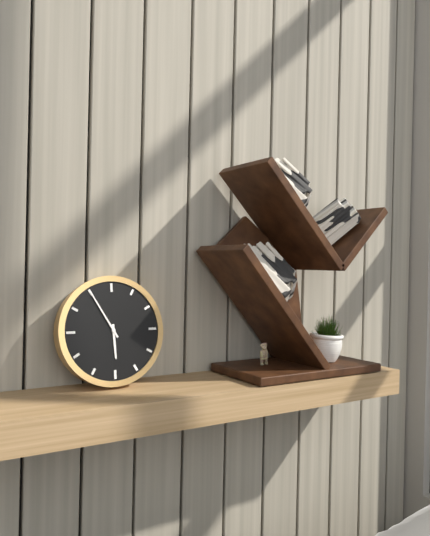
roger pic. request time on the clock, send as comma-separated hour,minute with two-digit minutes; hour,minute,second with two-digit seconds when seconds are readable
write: 5,55
